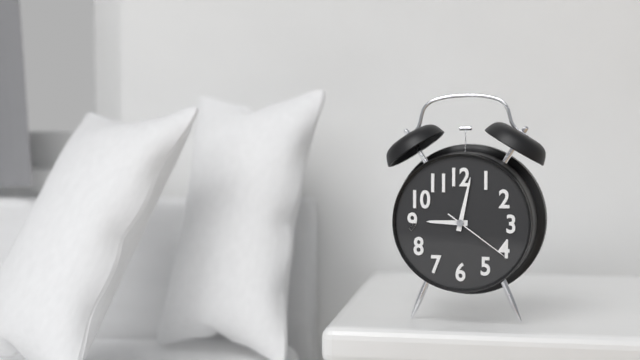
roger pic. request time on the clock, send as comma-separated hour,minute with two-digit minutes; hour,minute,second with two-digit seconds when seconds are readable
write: 9,02,21
